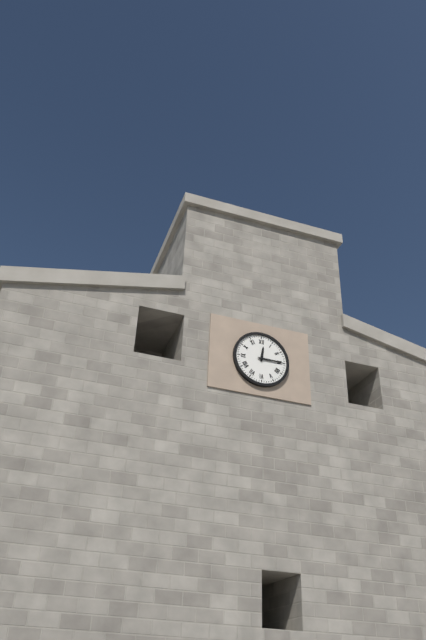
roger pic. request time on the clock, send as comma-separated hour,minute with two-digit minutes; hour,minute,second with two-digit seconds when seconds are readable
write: 12,15
